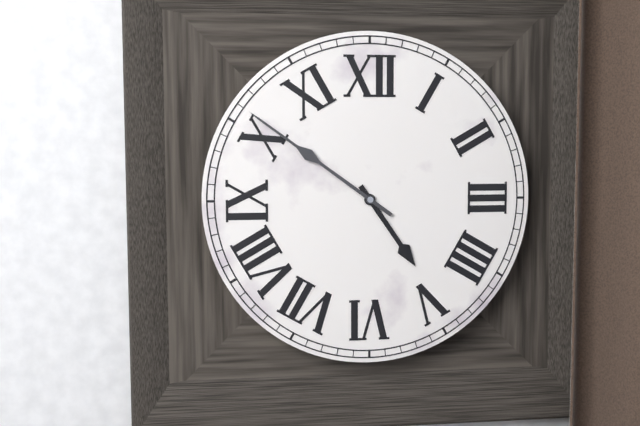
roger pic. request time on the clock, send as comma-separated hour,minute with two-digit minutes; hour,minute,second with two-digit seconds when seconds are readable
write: 4,51
